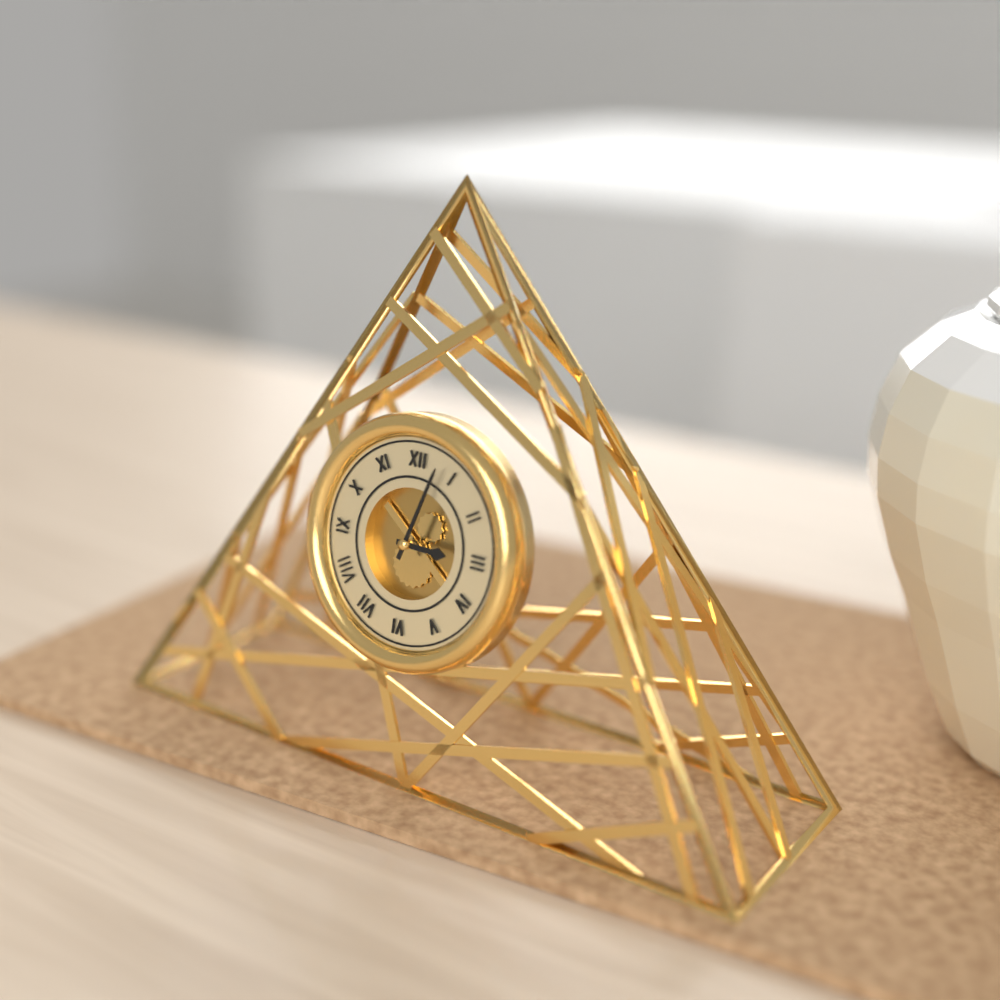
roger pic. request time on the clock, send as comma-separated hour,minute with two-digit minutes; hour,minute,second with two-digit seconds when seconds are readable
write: 3,03
